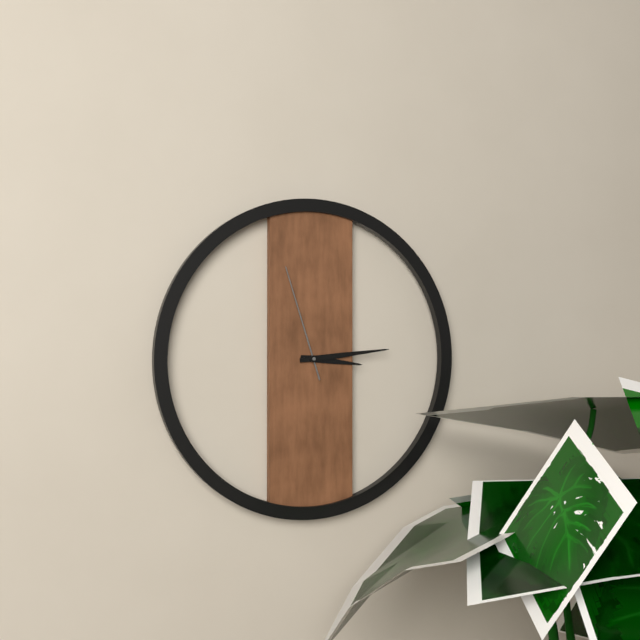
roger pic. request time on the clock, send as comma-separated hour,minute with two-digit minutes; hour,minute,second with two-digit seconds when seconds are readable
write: 3,14,57
